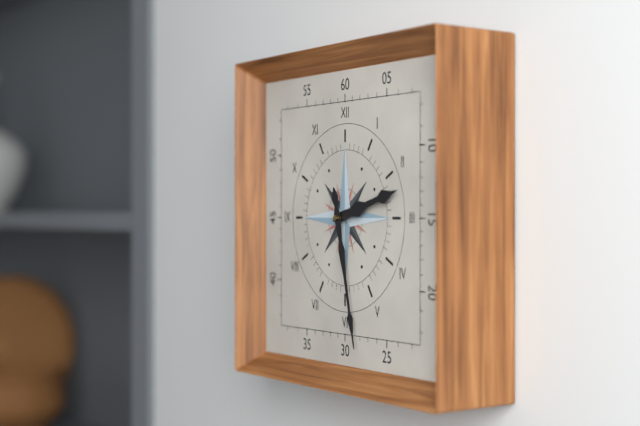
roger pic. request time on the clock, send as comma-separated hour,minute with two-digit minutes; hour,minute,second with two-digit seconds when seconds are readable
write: 2,28
